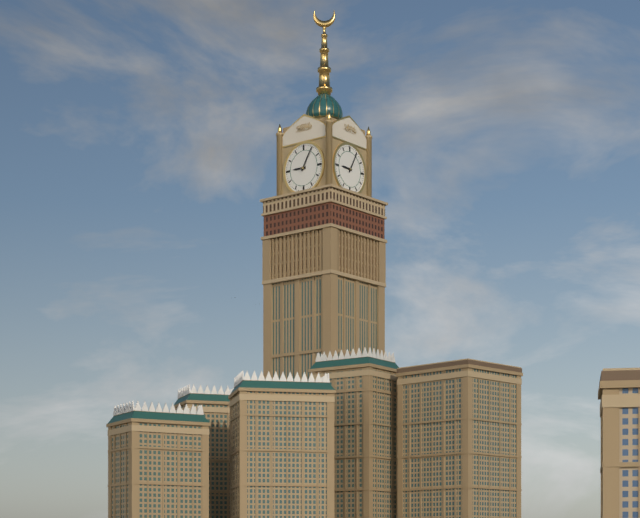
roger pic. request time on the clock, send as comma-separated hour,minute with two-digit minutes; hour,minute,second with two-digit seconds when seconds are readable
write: 9,05
